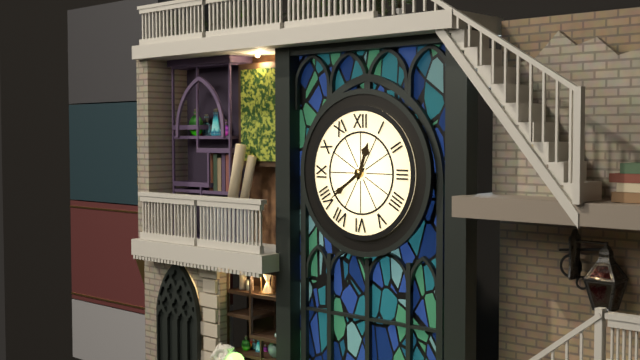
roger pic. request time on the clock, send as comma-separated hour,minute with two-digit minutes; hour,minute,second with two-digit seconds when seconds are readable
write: 12,39
